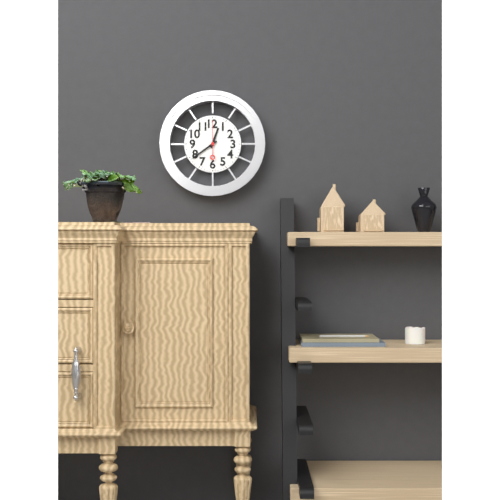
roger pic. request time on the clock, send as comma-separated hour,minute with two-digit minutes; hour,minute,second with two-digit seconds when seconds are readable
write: 12,39
